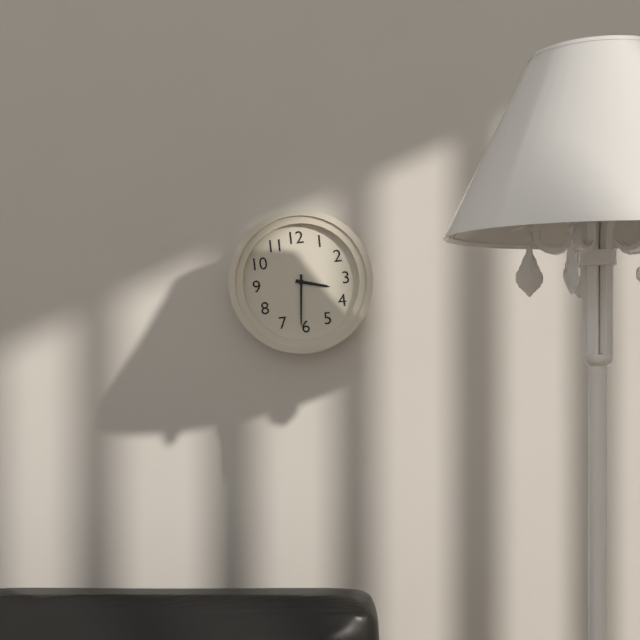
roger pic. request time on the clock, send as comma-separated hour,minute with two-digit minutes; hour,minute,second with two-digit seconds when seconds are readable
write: 3,31
